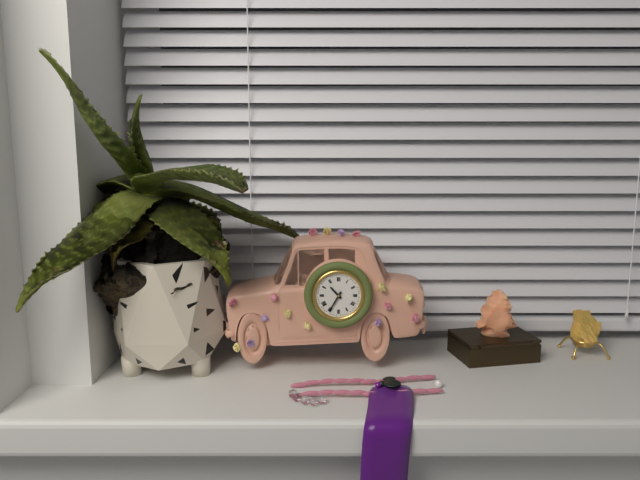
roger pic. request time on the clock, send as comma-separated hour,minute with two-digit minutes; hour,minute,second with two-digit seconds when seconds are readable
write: 10,35
